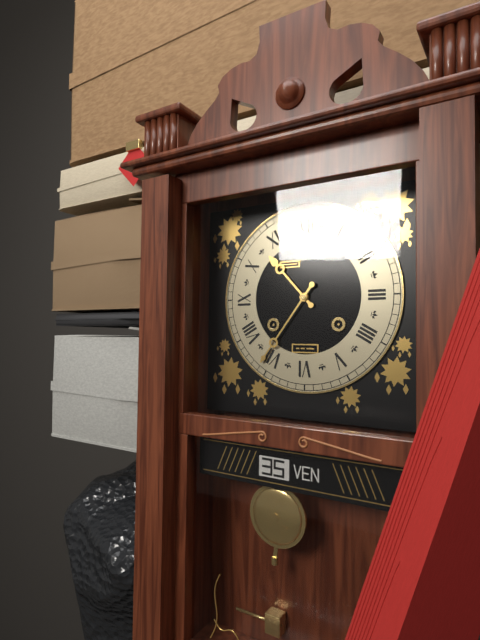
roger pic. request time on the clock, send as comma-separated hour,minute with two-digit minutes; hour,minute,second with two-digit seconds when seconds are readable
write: 10,36
